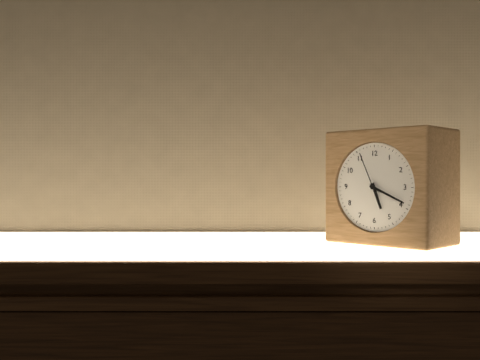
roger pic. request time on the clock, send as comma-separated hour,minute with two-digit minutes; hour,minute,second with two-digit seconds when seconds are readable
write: 5,19
